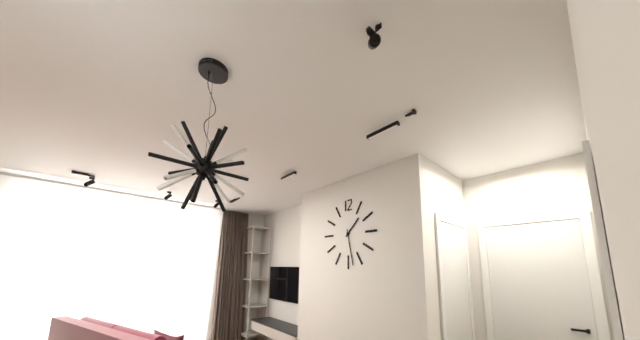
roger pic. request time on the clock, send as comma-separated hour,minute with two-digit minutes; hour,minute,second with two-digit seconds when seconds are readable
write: 1,28
